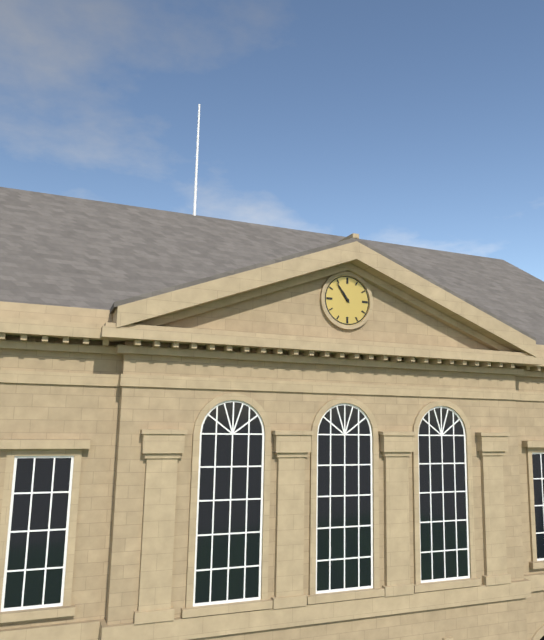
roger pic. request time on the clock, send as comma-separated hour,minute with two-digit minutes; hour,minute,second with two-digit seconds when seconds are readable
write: 10,54
